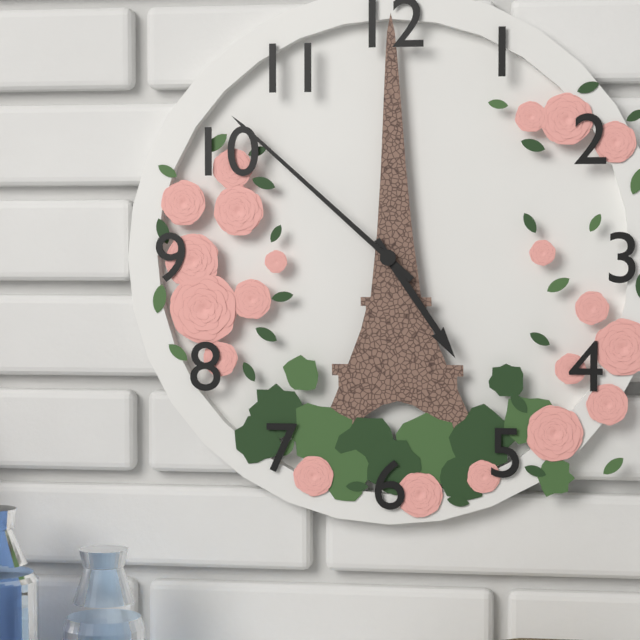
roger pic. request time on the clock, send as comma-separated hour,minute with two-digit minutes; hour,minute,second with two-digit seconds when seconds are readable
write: 4,52
